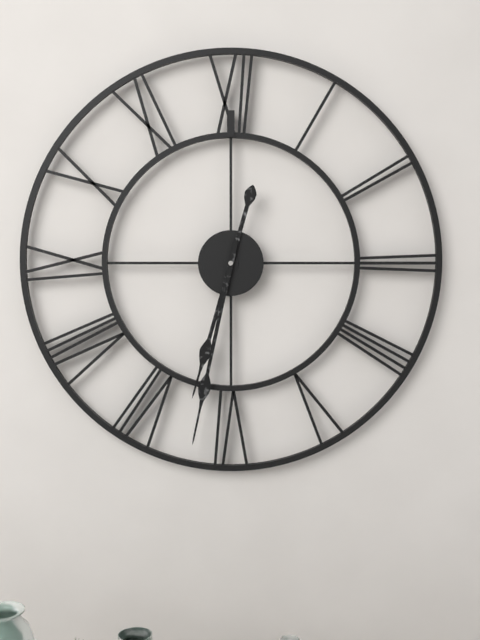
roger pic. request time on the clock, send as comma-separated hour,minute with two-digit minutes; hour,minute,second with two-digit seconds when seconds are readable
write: 6,32
